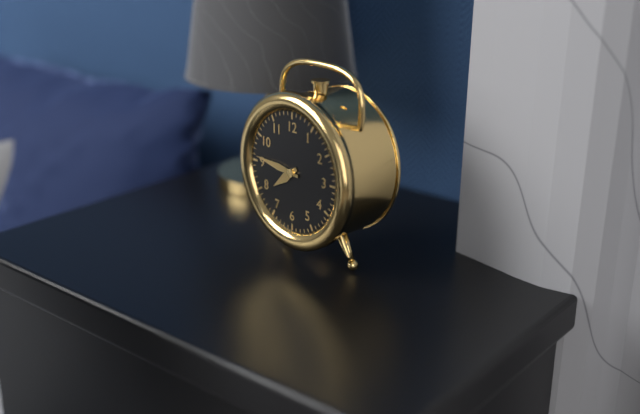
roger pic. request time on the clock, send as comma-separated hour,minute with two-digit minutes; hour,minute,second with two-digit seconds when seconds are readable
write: 7,46
